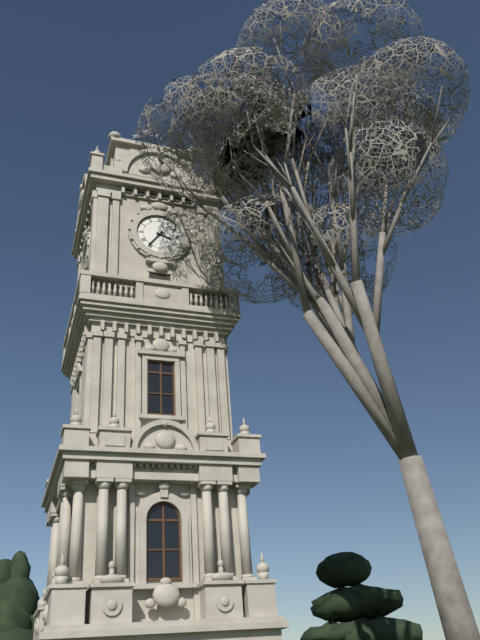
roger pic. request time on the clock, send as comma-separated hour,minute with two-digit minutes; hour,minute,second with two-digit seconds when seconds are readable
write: 3,36
